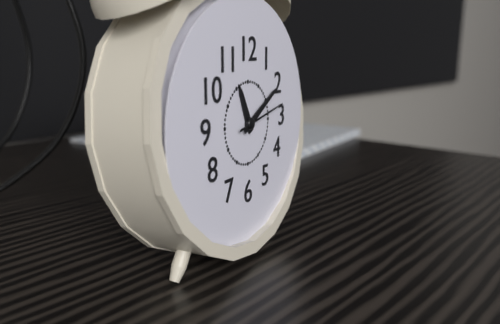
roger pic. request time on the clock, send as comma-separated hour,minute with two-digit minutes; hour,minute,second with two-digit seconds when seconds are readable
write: 11,10,13
